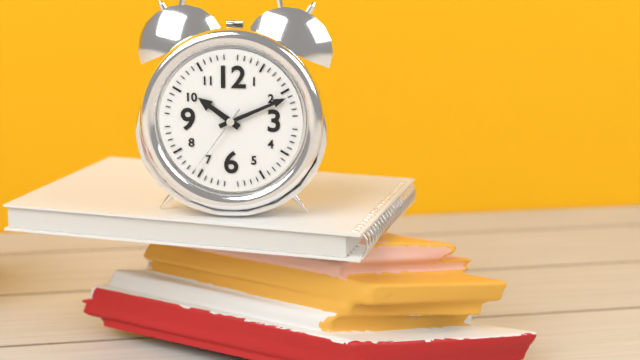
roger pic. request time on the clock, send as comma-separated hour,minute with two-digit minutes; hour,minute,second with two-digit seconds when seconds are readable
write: 10,11,36
